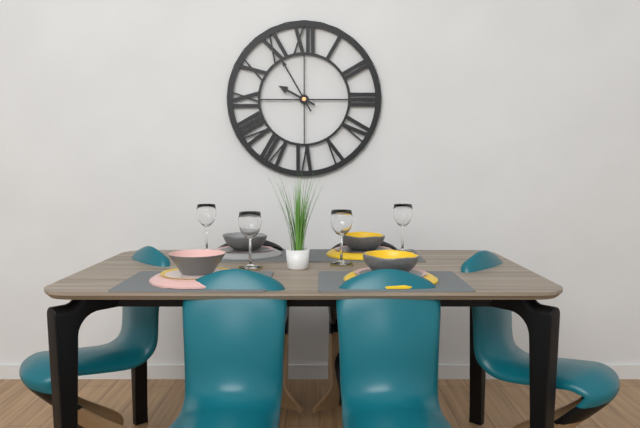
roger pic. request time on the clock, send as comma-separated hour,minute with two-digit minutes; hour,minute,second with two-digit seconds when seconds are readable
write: 9,55
